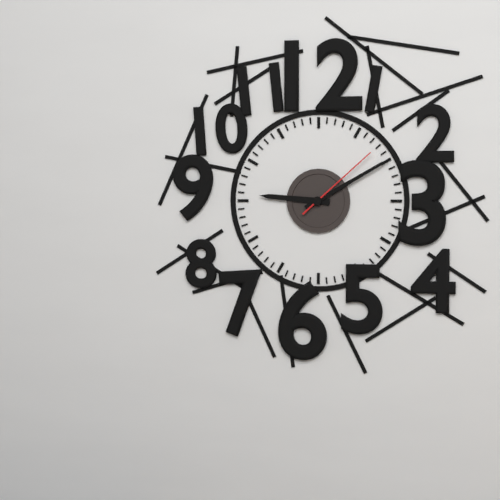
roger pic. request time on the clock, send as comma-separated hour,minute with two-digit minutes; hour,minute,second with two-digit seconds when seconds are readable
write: 9,10,08
